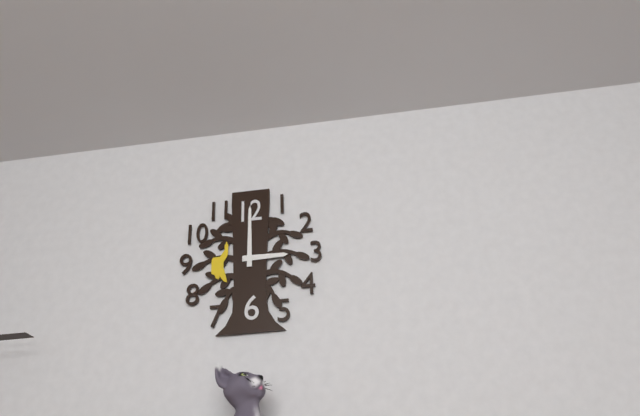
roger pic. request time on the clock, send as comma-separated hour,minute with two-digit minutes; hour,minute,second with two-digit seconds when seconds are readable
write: 3,00
